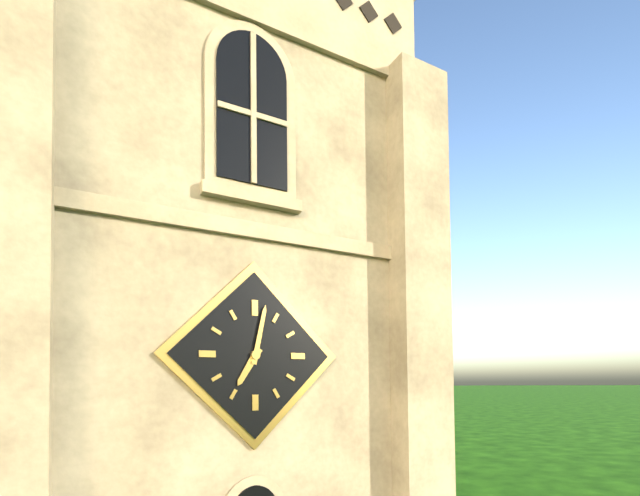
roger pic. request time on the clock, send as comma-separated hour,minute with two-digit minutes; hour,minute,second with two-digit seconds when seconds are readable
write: 7,02
